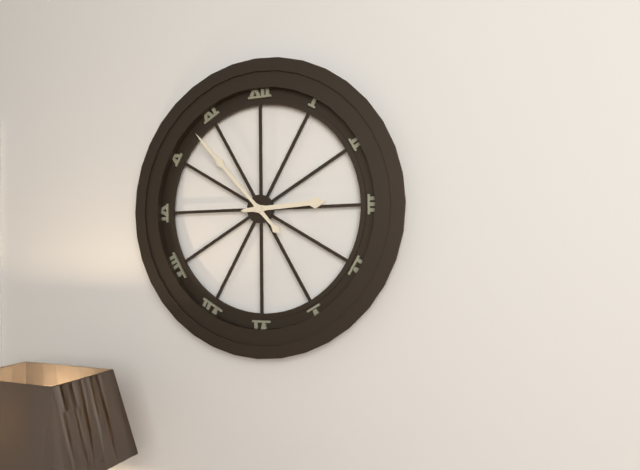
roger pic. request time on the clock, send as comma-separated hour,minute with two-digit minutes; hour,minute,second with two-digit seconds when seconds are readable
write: 2,53
